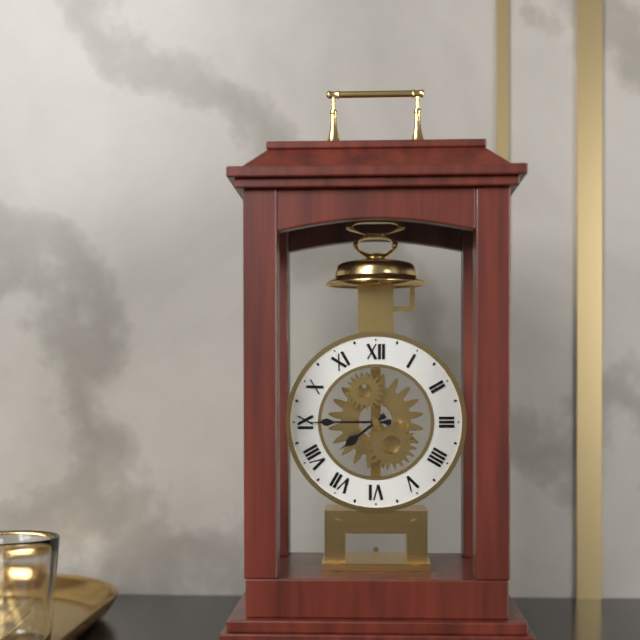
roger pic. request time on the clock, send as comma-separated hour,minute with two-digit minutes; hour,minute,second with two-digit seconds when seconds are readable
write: 7,45
